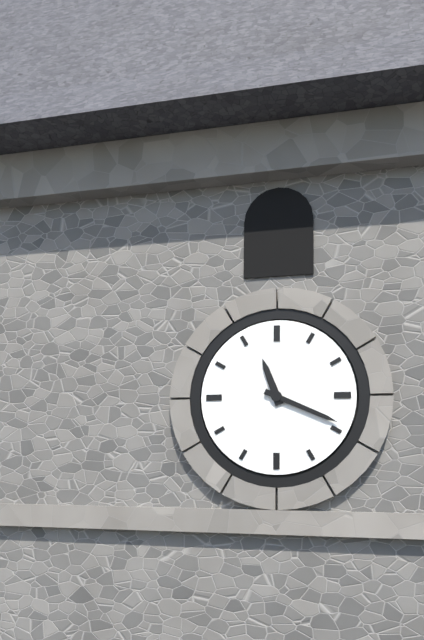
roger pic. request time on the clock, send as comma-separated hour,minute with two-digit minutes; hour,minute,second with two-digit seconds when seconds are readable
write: 11,19
